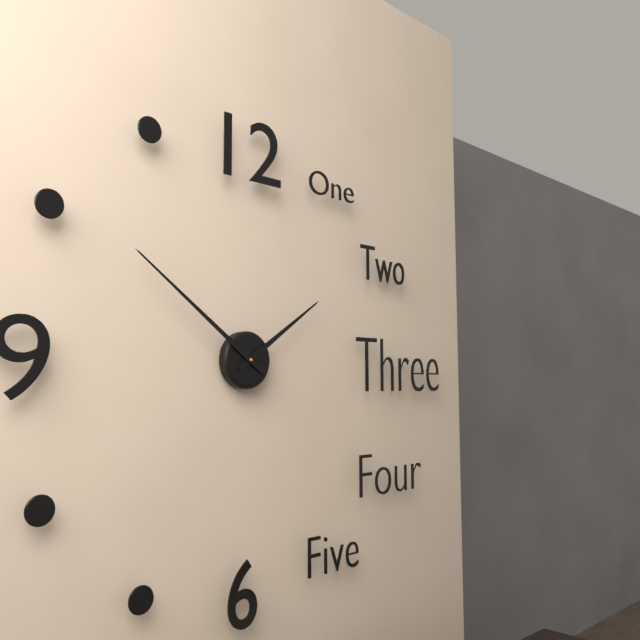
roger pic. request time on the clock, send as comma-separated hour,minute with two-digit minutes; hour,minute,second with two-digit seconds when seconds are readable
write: 1,51
